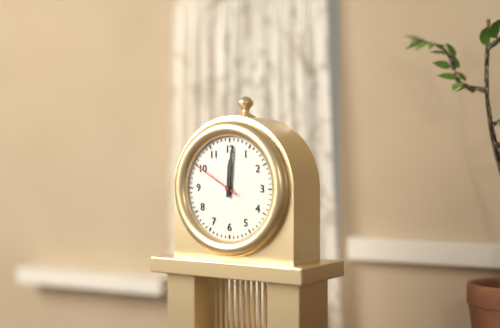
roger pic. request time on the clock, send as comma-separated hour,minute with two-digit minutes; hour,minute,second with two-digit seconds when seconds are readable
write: 12,01,50
